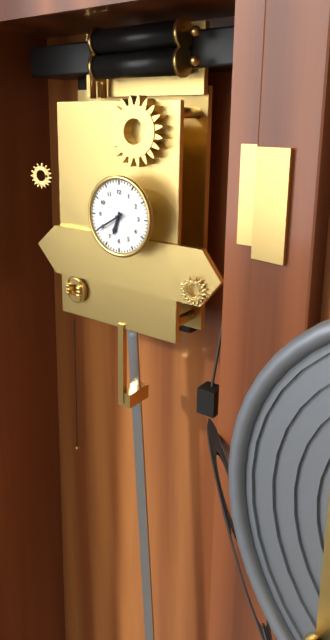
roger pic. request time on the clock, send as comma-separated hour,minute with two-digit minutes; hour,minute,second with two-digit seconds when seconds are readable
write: 6,40
